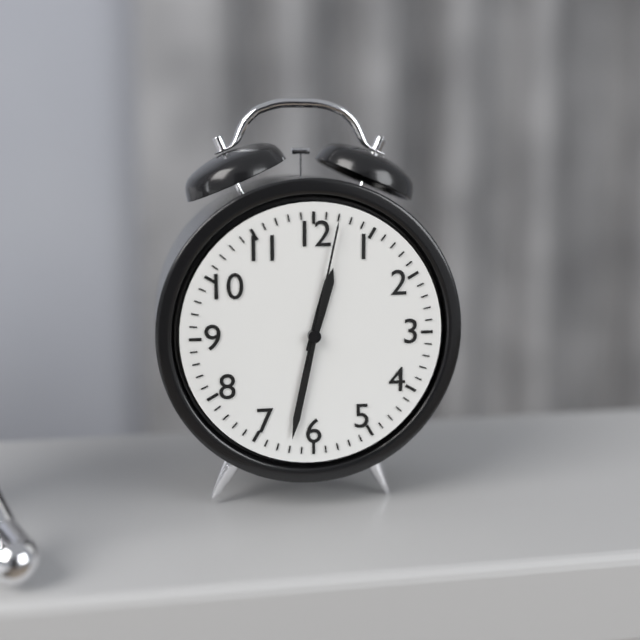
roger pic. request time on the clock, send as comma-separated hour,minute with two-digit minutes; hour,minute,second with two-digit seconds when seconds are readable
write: 12,32,02
